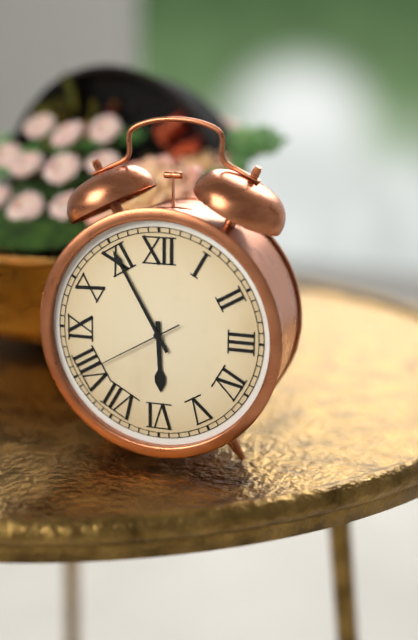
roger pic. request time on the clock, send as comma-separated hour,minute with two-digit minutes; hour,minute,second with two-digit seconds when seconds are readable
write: 5,55,40
